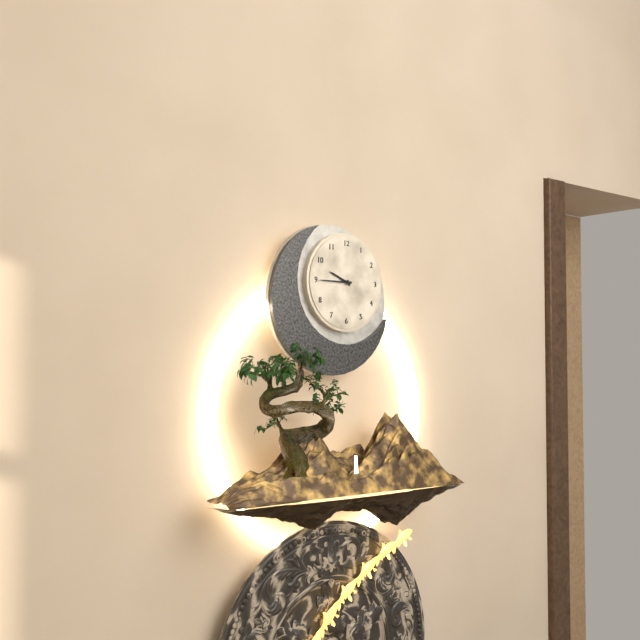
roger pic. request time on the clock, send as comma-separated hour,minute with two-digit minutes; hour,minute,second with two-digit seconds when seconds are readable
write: 9,45
